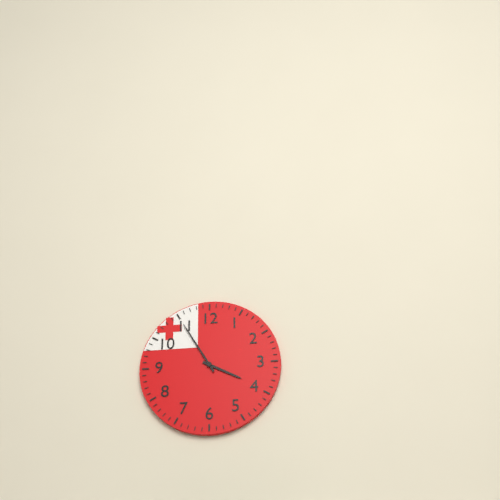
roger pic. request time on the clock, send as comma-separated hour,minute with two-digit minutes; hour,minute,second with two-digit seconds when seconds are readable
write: 3,55
